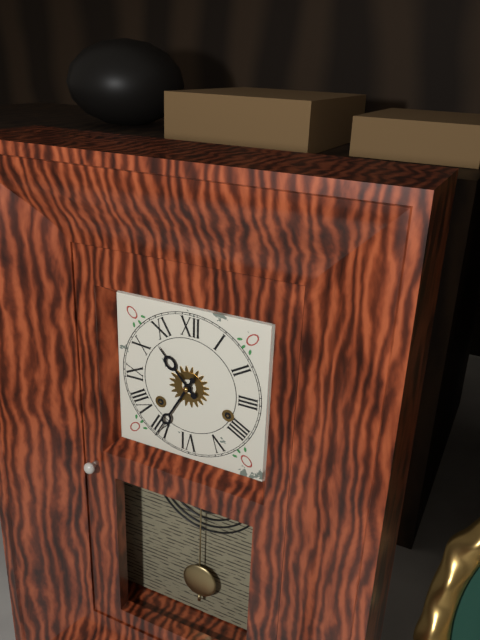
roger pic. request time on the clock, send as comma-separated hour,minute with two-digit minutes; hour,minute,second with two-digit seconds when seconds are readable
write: 10,35
